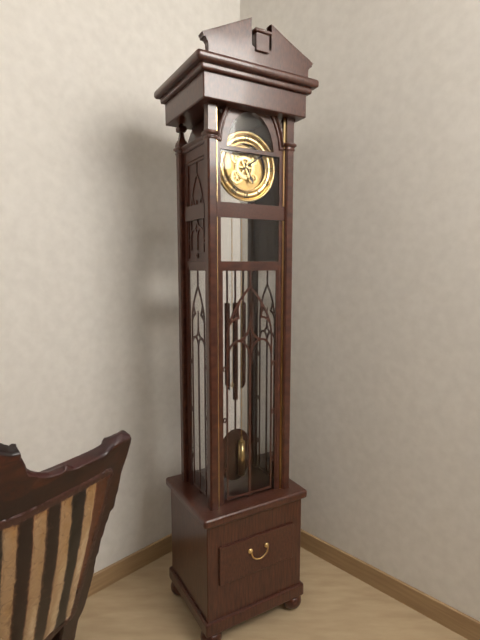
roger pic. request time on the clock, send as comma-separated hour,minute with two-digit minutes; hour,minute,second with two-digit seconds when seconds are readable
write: 5,09
